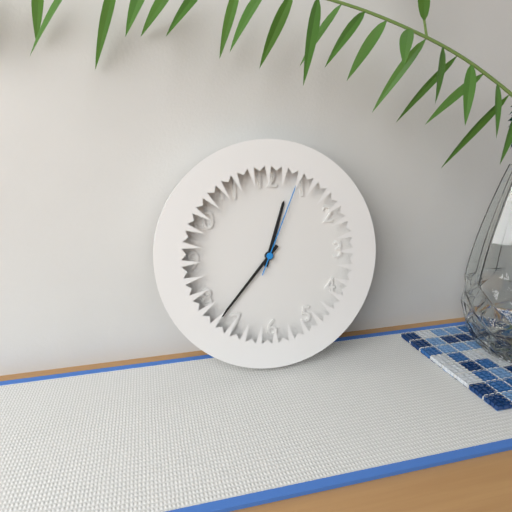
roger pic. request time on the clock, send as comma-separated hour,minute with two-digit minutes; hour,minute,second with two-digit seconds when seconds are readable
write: 12,37,04
